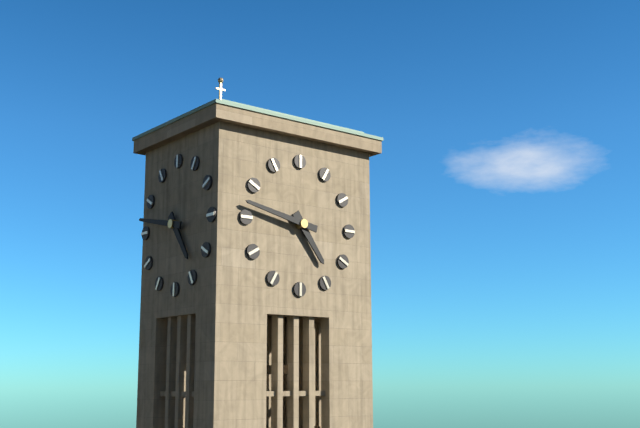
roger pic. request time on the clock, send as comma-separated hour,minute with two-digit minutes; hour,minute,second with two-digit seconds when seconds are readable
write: 4,47
